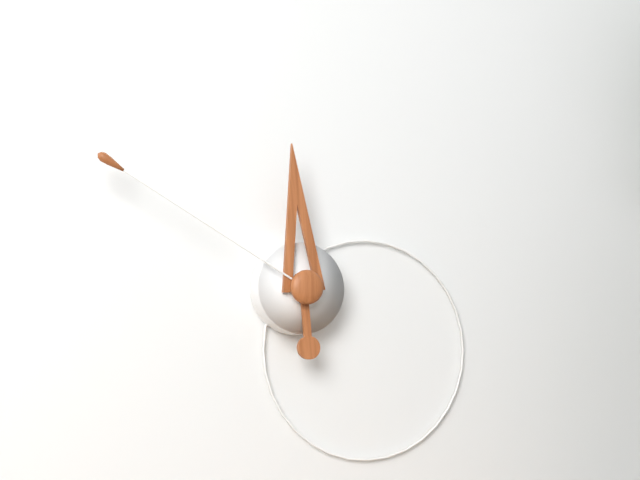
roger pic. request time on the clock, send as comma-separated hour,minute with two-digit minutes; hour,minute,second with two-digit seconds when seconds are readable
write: 11,50
